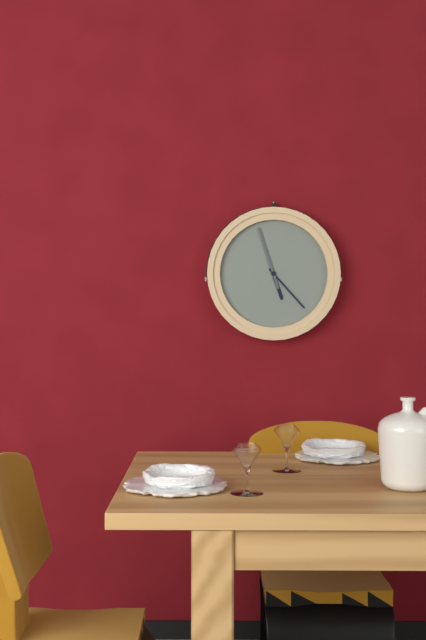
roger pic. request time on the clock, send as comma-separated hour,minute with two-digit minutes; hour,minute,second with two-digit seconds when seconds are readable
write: 5,23,57
